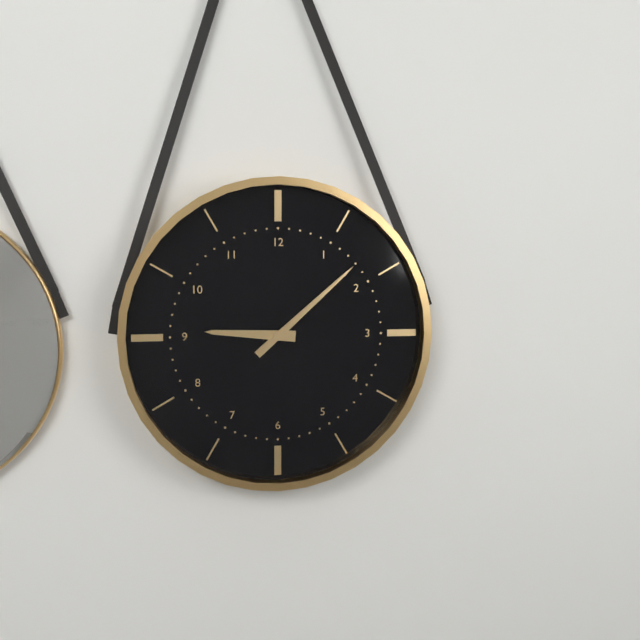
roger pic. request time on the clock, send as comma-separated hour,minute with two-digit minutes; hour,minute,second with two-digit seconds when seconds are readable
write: 9,08
